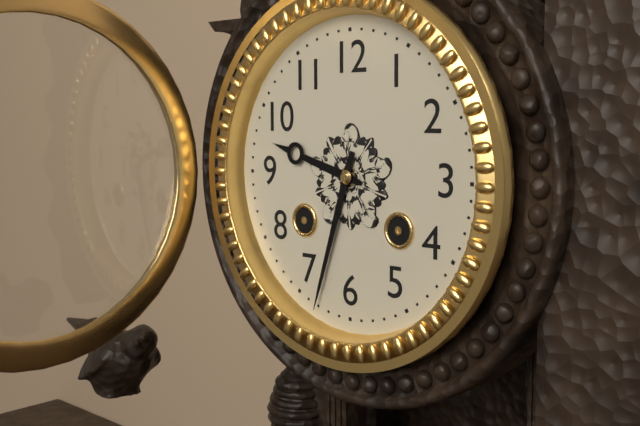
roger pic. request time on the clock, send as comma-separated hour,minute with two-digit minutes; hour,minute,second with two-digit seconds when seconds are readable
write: 9,33
